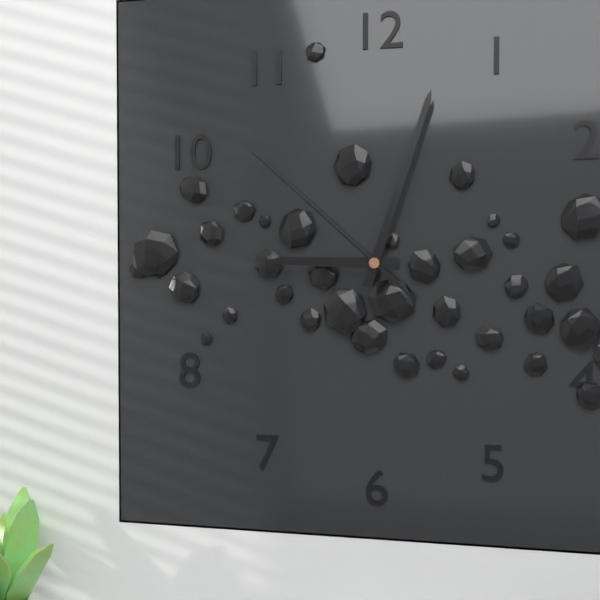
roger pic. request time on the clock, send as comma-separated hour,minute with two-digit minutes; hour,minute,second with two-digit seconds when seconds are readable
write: 9,03,52
